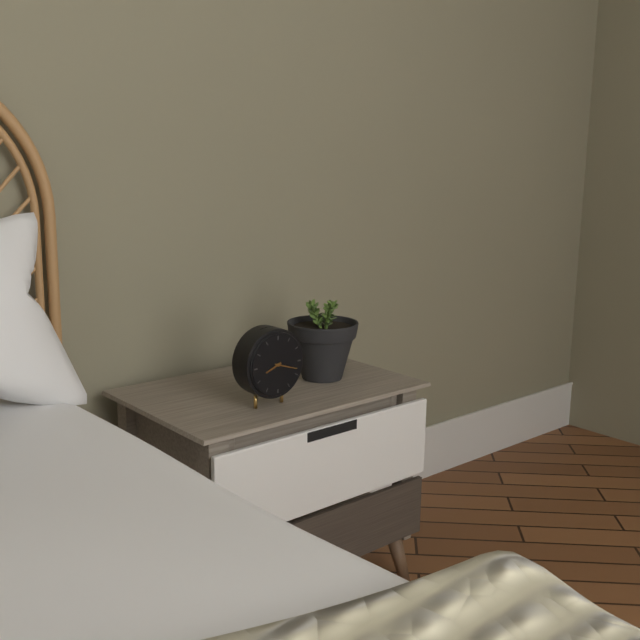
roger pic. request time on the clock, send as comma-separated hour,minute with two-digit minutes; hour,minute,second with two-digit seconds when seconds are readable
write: 8,18
